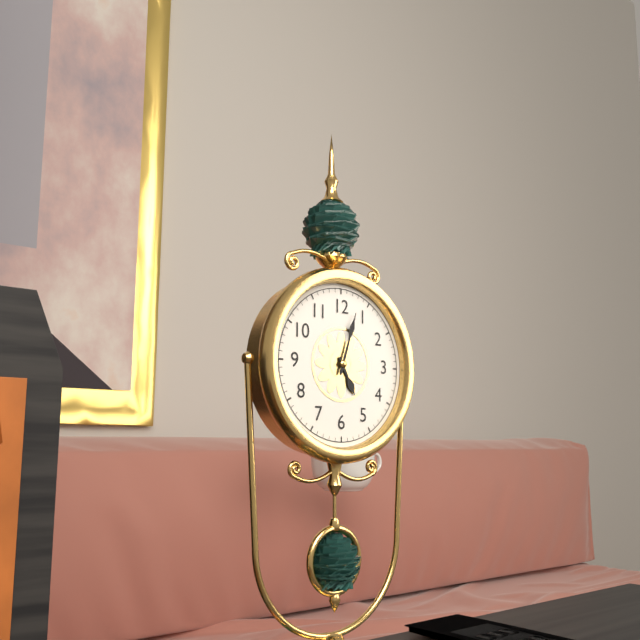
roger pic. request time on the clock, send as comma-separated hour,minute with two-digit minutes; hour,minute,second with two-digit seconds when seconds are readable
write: 5,03
